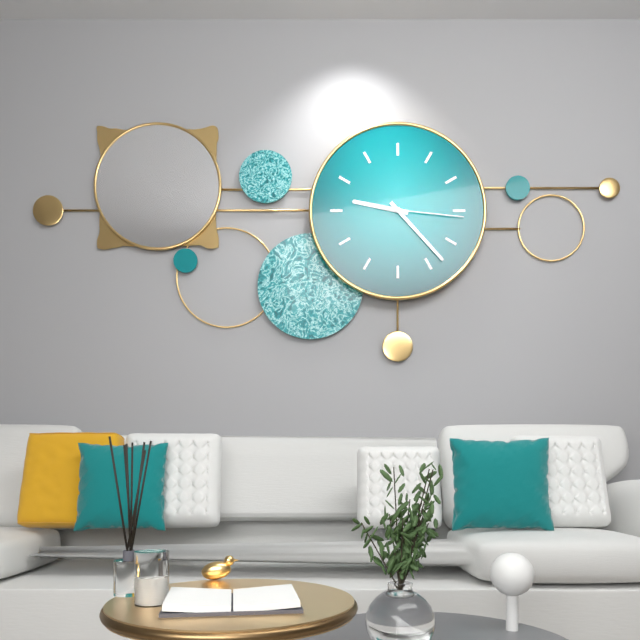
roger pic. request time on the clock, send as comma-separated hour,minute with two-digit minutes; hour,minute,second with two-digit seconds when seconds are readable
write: 9,23,16
